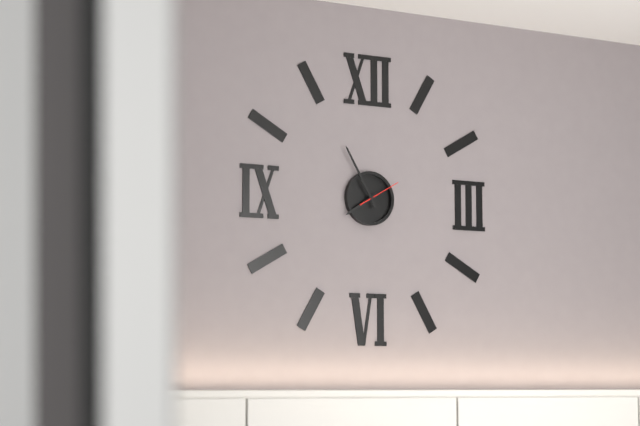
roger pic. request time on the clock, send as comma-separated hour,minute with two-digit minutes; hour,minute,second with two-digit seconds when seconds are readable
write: 7,55
